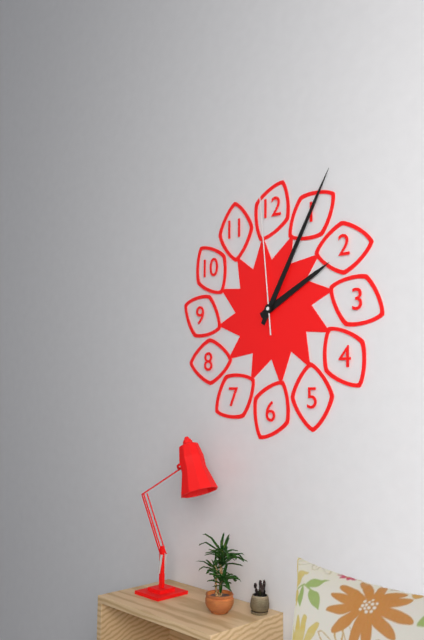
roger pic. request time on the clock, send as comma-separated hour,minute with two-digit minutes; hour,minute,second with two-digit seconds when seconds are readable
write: 2,05,59
